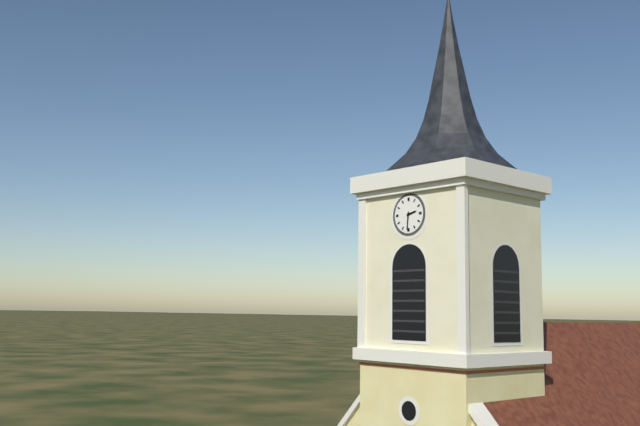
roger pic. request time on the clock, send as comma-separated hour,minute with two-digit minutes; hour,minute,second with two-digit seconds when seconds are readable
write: 2,31
